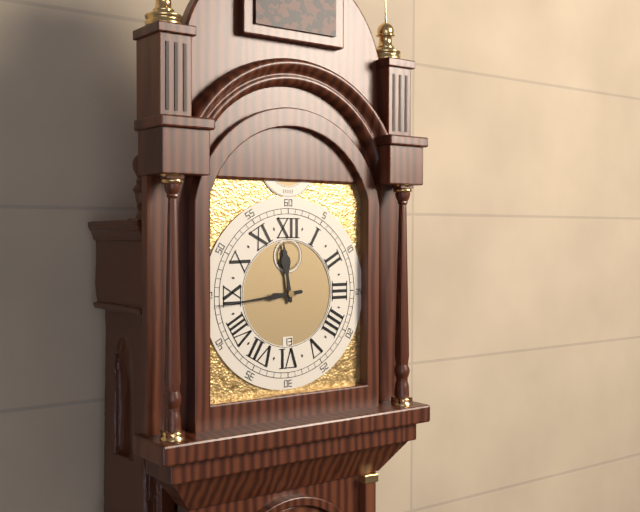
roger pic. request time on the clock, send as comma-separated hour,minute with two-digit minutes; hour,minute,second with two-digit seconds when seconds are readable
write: 11,44
